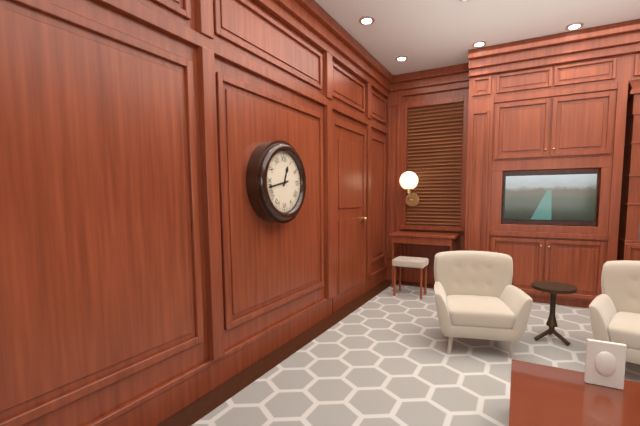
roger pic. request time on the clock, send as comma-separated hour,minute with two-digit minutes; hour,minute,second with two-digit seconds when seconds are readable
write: 12,43
